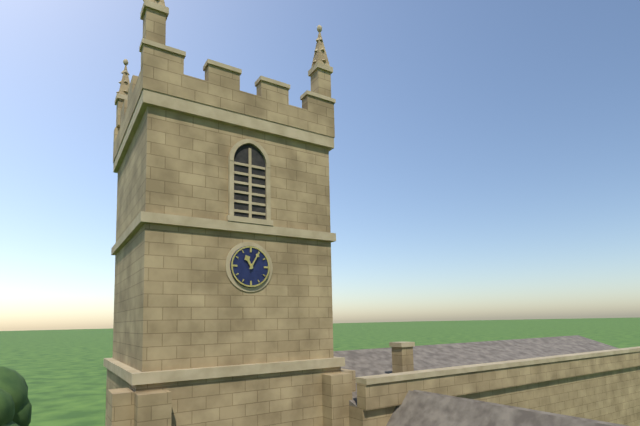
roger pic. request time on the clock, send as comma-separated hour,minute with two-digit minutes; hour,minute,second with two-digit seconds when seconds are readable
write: 11,05
